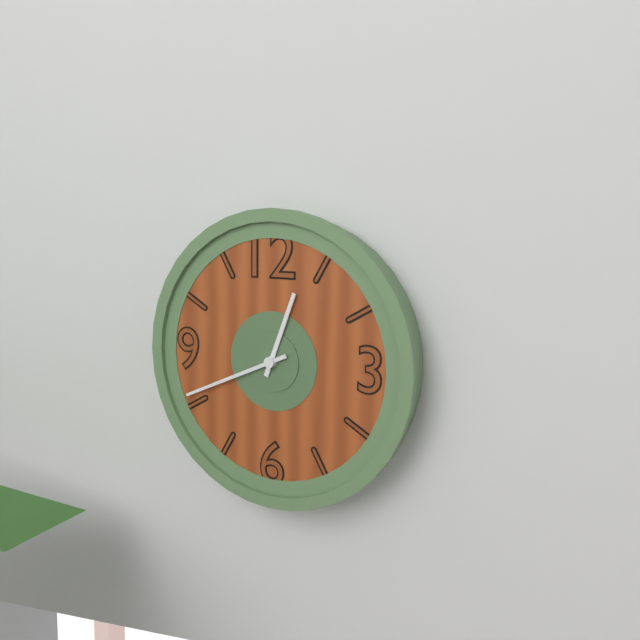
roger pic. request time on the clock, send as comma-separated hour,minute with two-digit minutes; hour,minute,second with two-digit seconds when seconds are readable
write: 12,41
